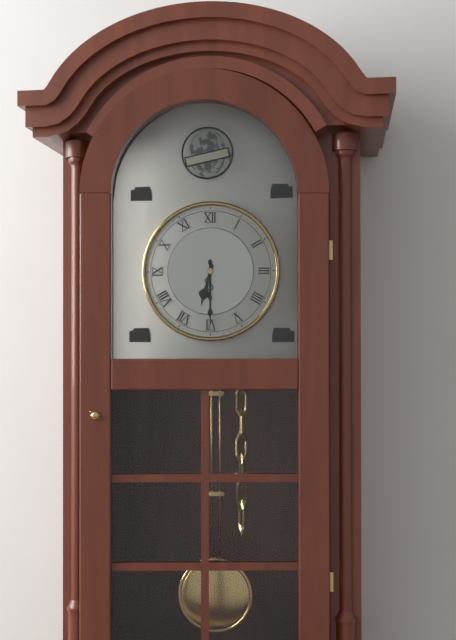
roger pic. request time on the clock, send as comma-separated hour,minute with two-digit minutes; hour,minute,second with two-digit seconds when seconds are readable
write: 6,30
